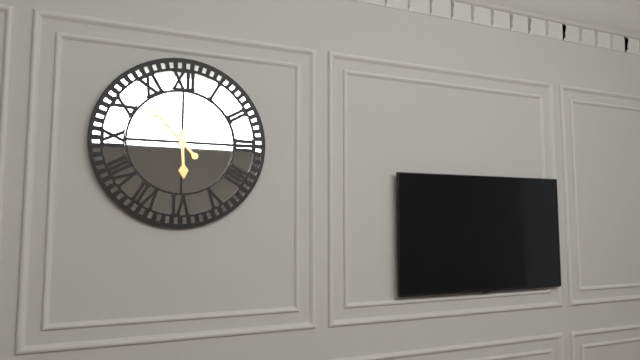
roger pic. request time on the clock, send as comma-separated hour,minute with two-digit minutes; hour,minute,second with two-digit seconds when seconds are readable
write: 5,53
